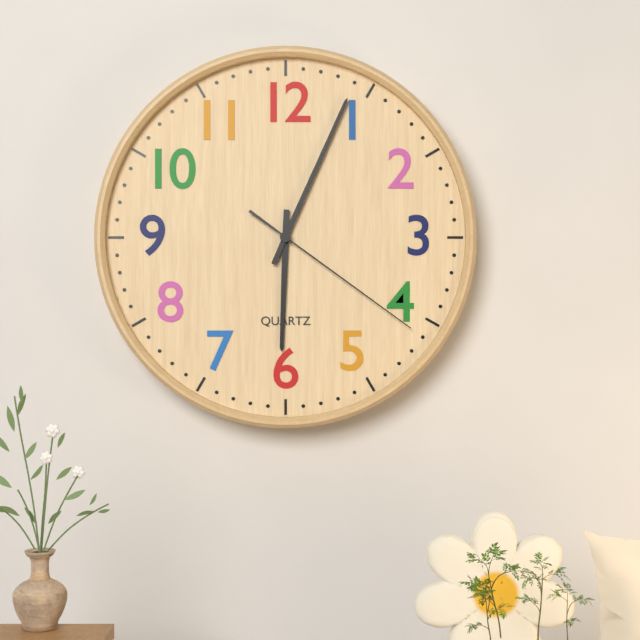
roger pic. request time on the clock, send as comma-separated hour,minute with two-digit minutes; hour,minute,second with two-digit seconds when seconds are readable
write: 6,04,21
